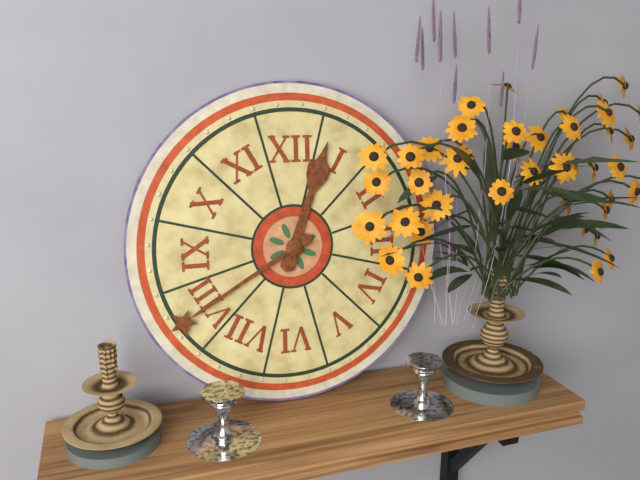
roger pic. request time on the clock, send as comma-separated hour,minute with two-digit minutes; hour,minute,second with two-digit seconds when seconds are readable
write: 12,40
